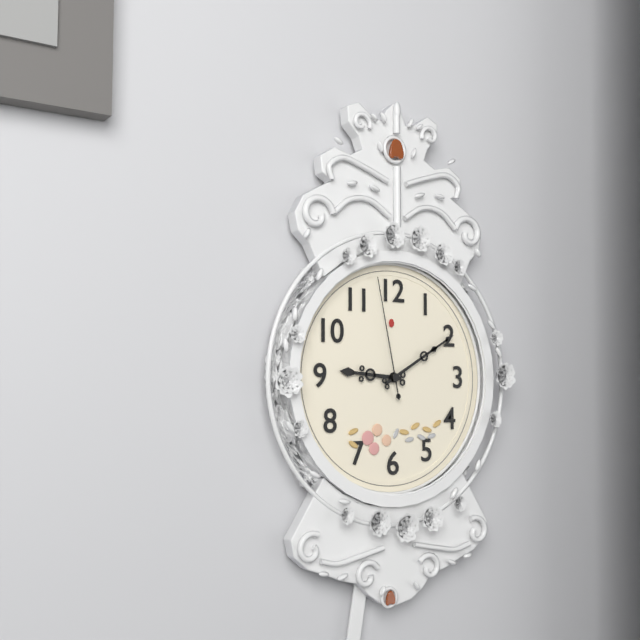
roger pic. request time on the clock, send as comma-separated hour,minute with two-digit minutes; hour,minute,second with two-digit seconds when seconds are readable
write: 9,10,58
